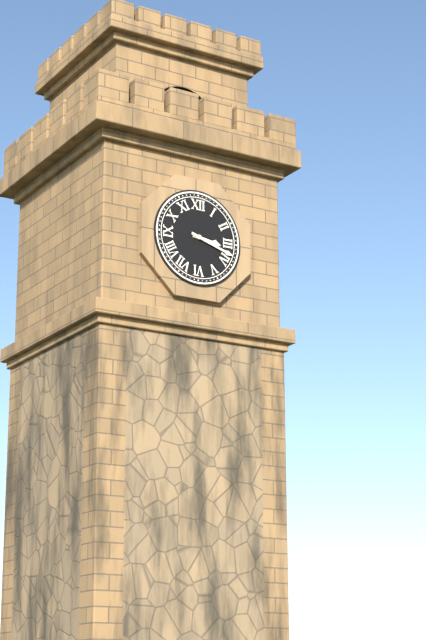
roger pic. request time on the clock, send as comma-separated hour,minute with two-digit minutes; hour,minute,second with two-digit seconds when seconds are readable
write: 3,18
